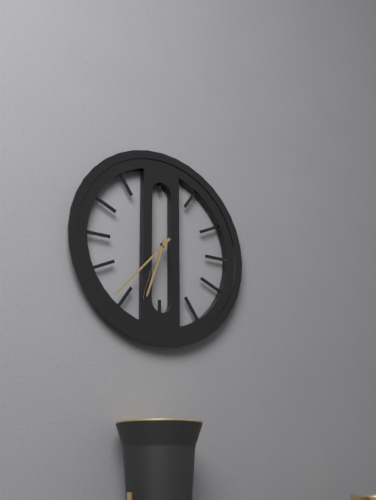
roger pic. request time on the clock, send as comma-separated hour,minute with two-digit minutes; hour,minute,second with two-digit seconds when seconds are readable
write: 6,37
